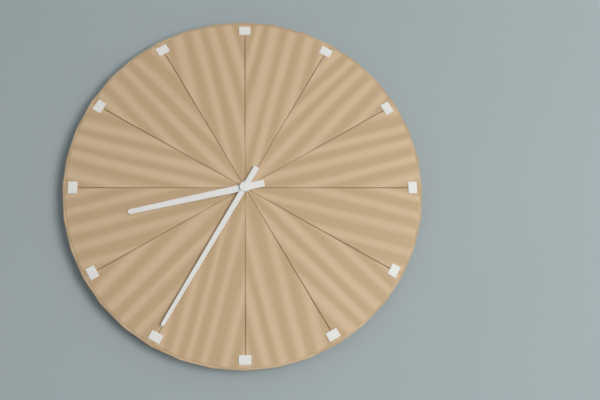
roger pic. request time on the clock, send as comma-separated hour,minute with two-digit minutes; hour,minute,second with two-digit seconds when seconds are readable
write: 8,35
